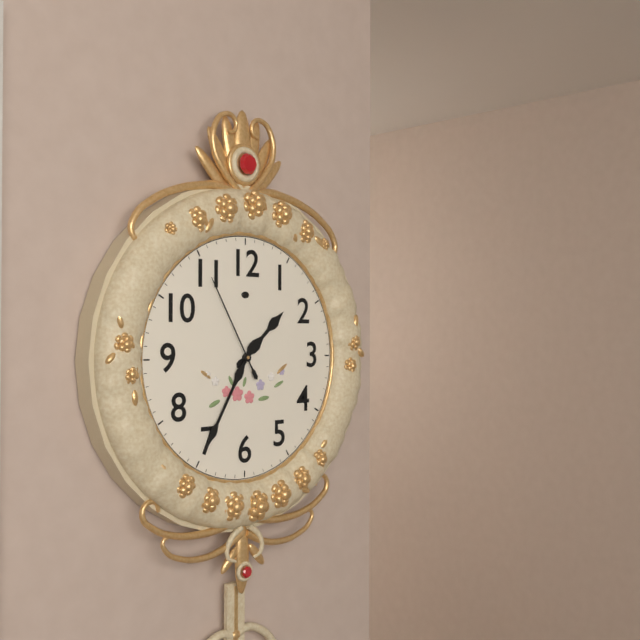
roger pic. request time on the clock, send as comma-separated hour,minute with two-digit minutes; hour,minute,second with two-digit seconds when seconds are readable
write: 1,35,55
